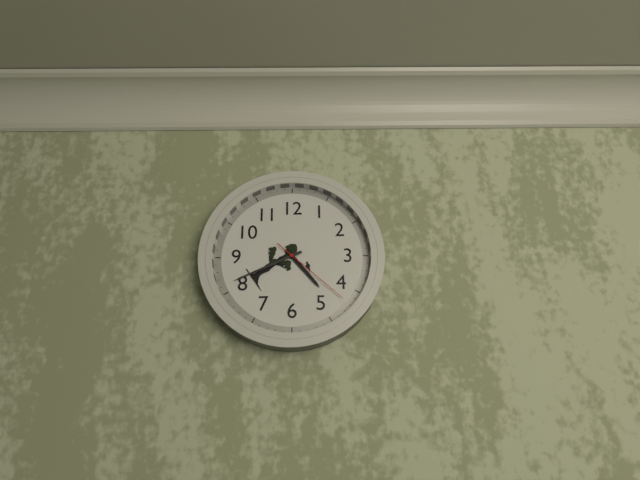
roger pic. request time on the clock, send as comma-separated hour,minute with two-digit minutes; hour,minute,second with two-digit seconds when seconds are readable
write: 4,41,22
